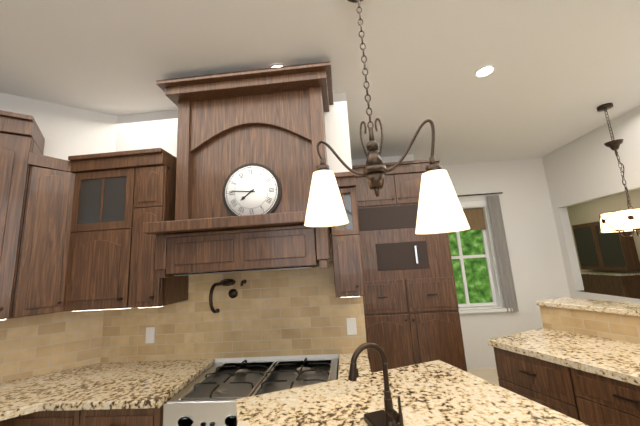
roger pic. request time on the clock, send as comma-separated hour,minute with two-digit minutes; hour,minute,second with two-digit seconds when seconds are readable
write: 7,46
